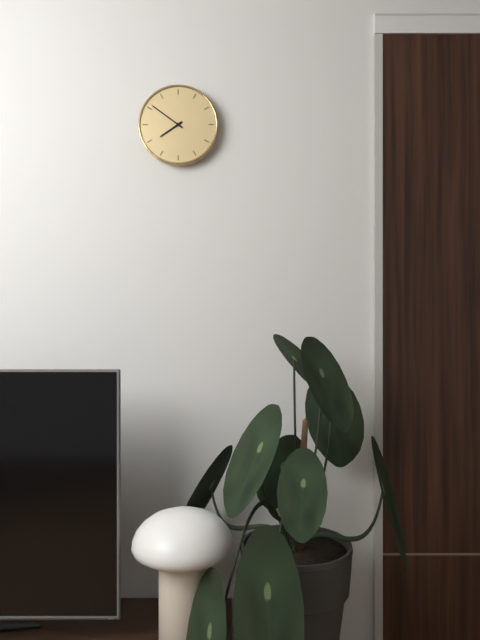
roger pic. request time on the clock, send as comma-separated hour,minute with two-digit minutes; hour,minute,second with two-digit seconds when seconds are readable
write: 7,51
